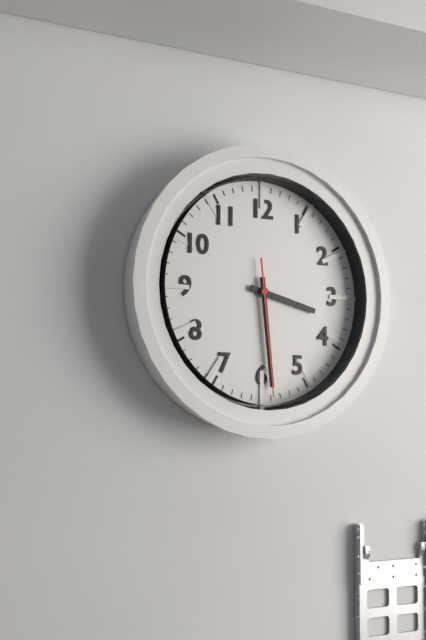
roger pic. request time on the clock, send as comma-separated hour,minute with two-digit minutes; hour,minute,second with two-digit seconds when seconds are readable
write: 3,29,29
